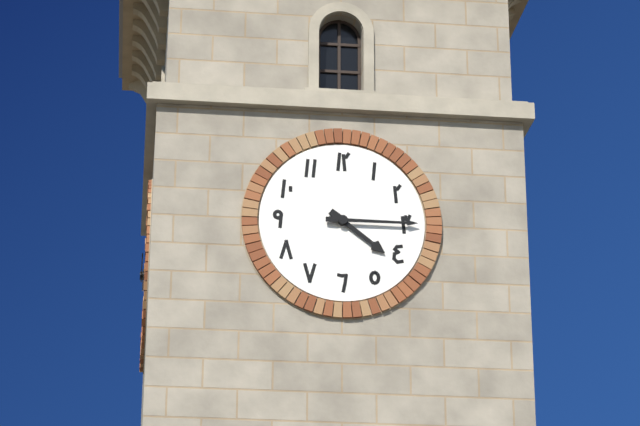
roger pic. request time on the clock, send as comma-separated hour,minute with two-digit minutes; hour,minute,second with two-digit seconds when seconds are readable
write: 4,15
